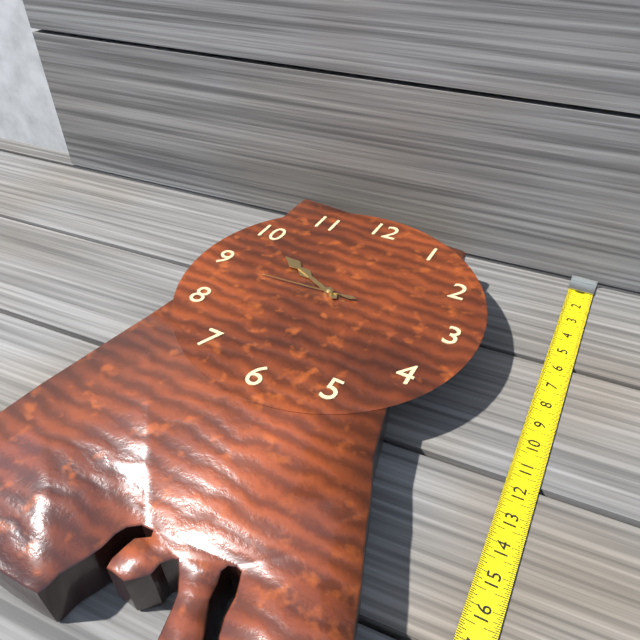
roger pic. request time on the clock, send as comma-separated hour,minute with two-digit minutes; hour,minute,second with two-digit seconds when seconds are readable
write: 9,49,44
